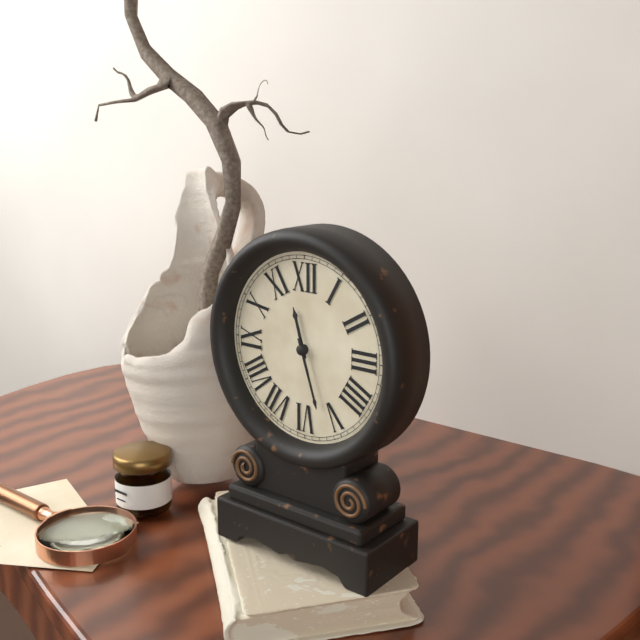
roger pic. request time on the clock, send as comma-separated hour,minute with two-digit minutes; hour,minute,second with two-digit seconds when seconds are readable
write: 11,27
